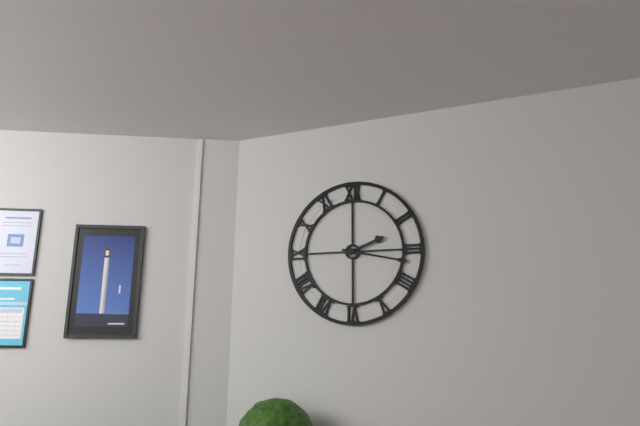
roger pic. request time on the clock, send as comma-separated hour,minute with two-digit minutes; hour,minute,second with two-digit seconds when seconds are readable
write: 2,17
